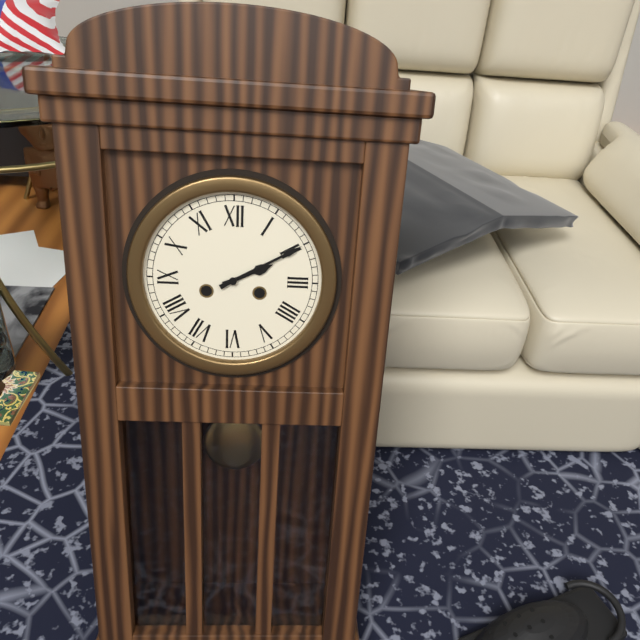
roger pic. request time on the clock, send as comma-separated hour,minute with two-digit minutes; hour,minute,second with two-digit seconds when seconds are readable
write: 2,10
